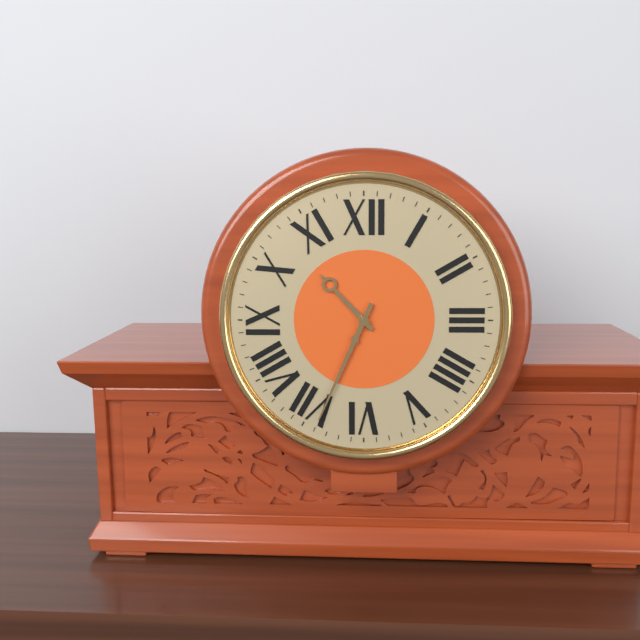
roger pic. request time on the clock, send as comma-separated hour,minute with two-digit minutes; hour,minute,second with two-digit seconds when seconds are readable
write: 10,34
